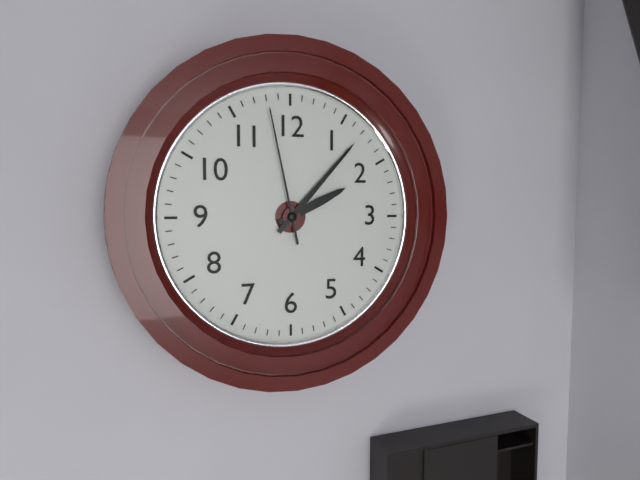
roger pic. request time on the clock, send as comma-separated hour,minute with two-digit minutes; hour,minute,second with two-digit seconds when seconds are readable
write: 2,07,58
